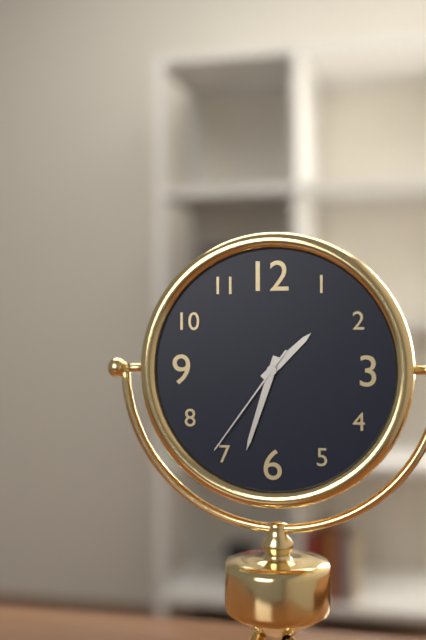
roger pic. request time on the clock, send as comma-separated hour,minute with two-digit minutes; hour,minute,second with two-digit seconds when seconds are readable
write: 1,33,36
